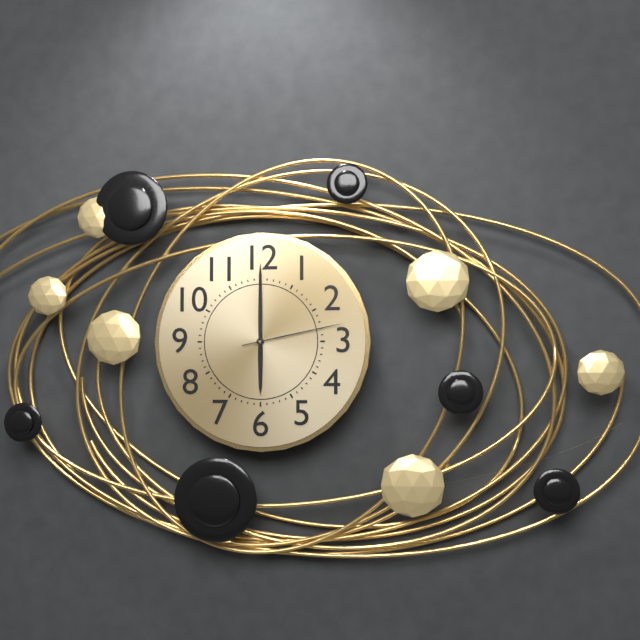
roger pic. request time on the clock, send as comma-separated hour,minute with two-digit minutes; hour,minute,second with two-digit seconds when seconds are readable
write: 6,00,13
